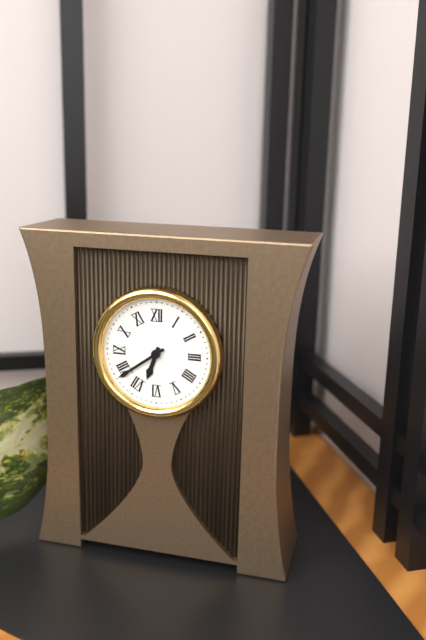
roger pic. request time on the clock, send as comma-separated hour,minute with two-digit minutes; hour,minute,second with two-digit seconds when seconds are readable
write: 6,39
